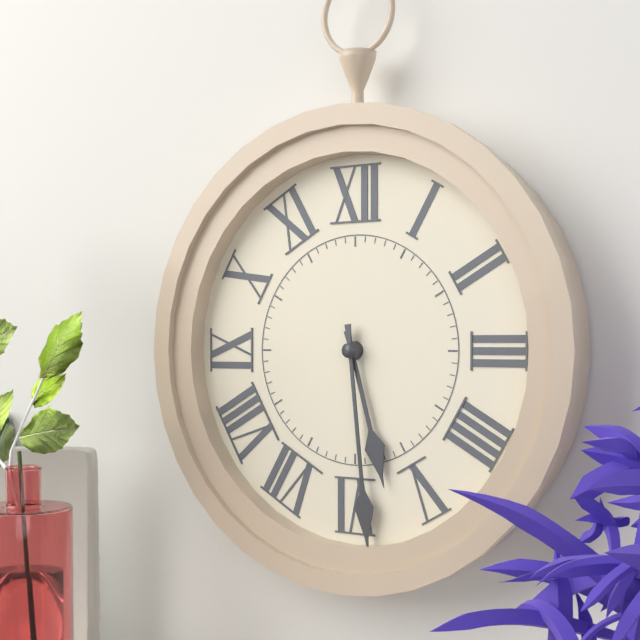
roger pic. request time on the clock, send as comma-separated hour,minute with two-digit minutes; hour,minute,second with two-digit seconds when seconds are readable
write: 5,29
